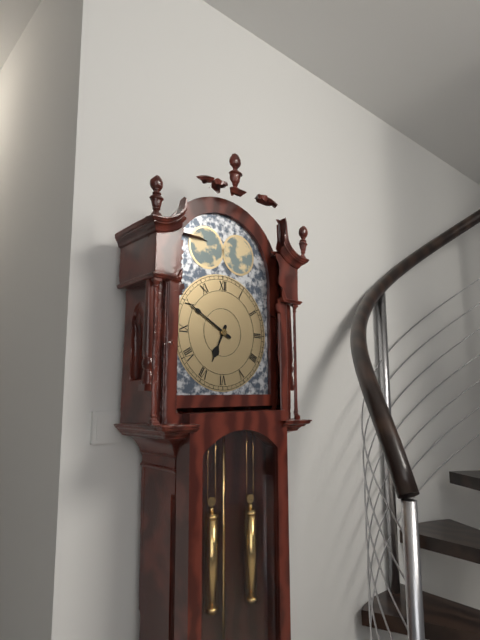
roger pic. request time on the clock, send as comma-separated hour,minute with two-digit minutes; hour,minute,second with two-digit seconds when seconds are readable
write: 6,50
